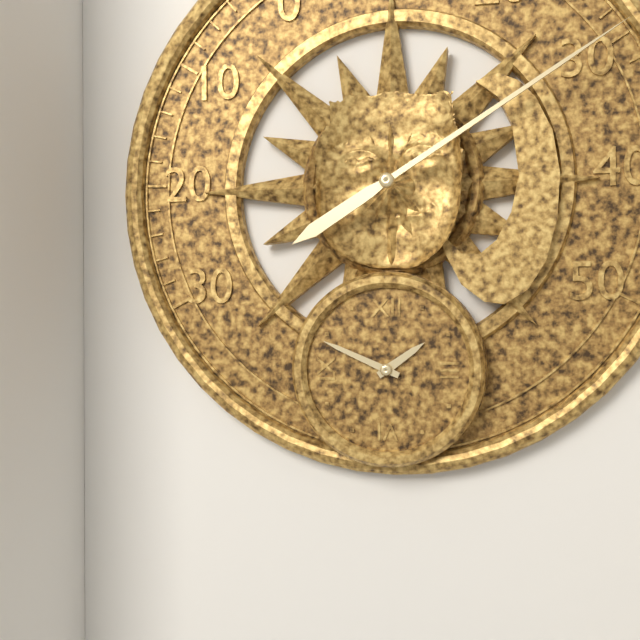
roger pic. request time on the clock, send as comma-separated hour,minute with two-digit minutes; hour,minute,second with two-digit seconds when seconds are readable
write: 1,49
